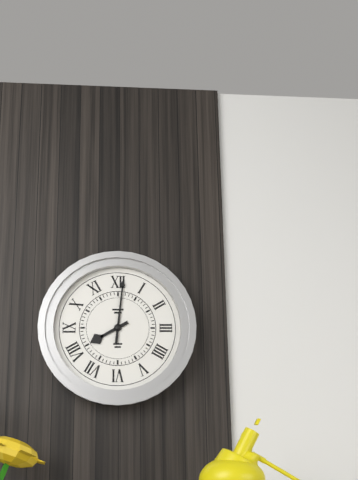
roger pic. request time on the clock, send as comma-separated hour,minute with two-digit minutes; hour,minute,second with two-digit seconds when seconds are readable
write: 8,01
